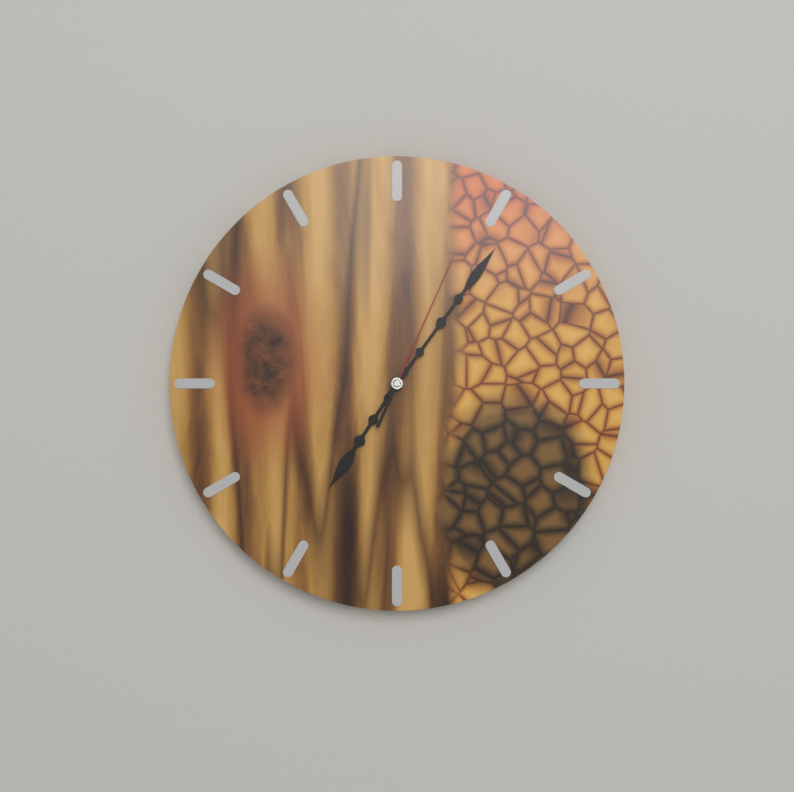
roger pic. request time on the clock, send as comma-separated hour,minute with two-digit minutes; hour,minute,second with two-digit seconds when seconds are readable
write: 7,06,04
